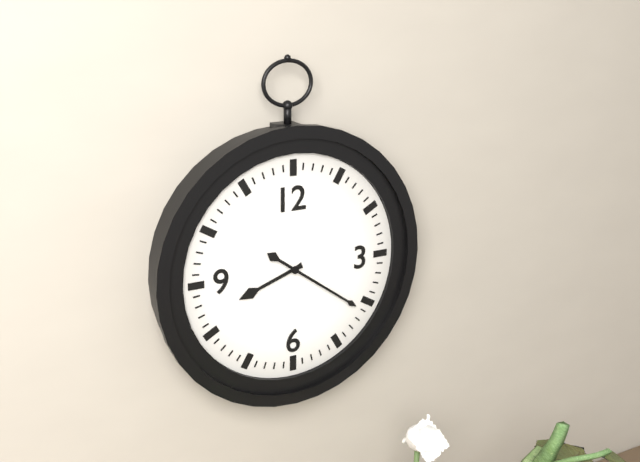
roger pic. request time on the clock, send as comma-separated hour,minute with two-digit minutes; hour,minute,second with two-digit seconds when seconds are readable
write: 8,21
